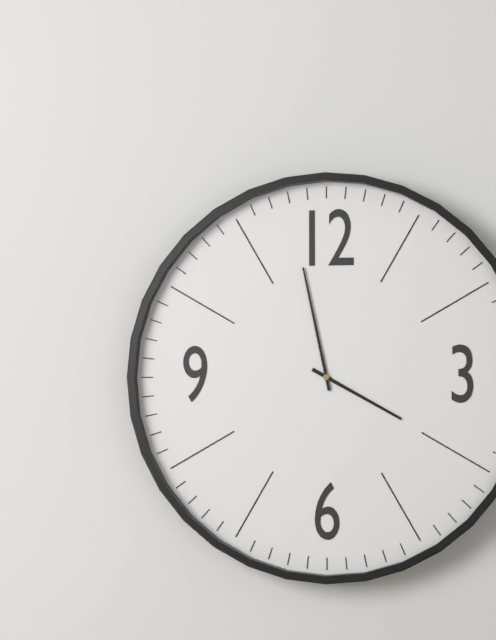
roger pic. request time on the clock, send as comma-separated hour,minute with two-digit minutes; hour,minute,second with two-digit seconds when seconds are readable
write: 3,58
